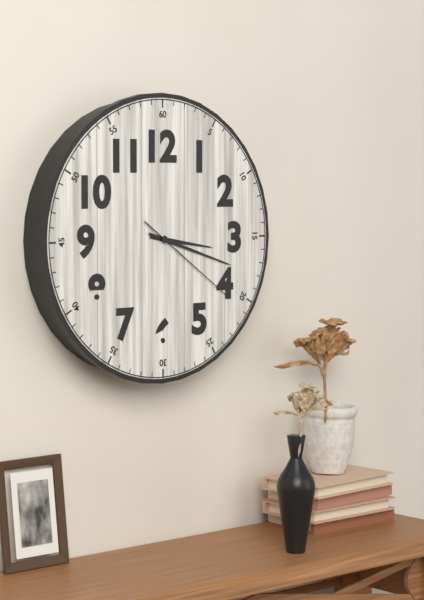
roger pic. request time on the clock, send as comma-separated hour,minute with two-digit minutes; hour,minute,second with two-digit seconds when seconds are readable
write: 3,18,21
